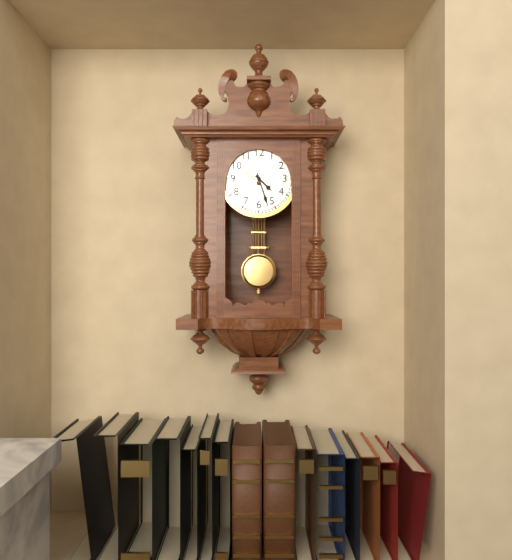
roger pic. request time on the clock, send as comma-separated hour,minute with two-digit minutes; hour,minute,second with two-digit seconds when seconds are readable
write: 4,27
